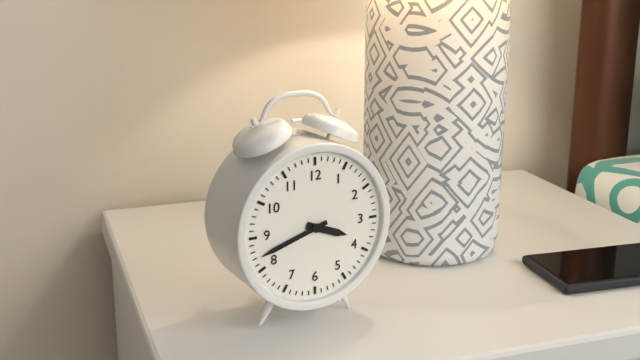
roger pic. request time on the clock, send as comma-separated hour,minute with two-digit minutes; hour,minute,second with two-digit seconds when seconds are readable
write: 3,42
